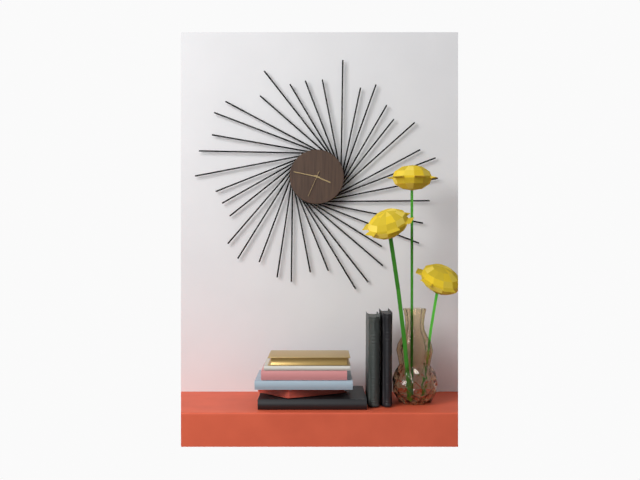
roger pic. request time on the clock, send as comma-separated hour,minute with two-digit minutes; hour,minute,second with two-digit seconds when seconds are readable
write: 3,47
